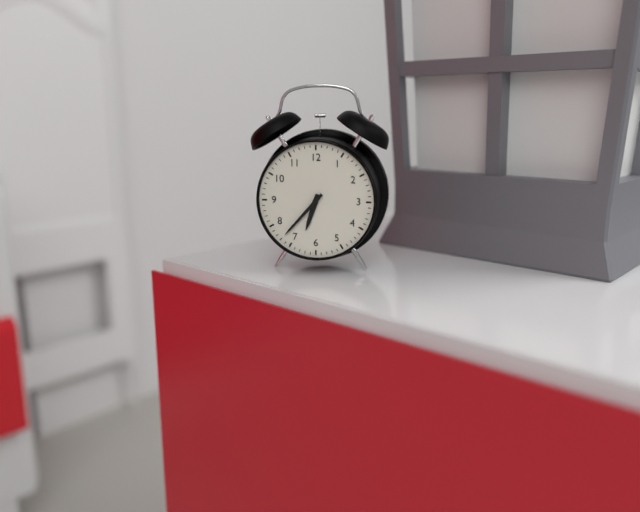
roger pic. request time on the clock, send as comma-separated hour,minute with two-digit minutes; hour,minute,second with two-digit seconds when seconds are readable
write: 6,37
